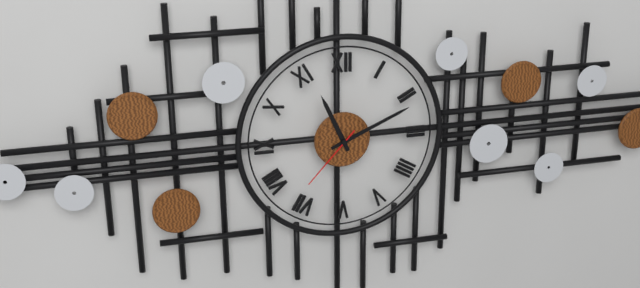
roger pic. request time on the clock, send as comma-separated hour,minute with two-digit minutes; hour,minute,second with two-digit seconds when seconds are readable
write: 11,11,37
